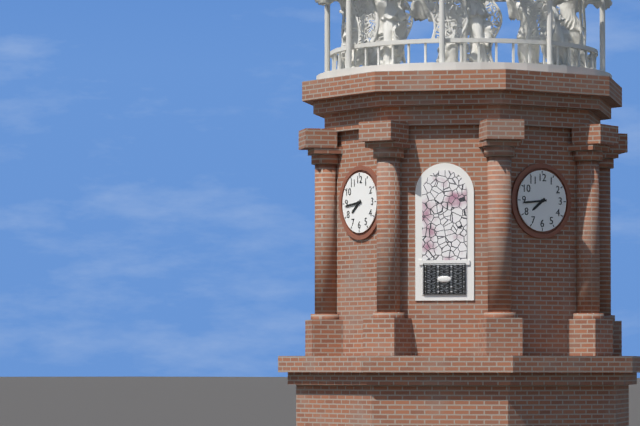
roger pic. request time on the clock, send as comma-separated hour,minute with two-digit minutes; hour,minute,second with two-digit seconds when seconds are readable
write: 7,44
